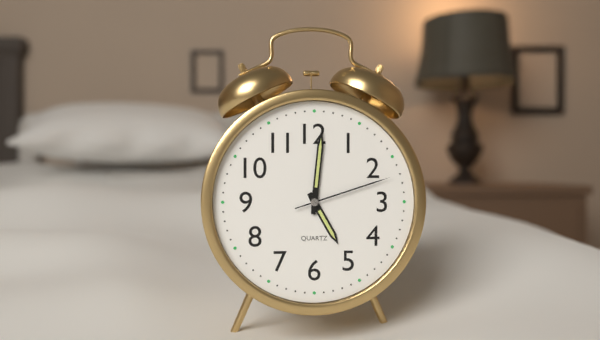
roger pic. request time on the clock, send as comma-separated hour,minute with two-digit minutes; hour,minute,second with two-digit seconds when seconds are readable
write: 5,01,12
